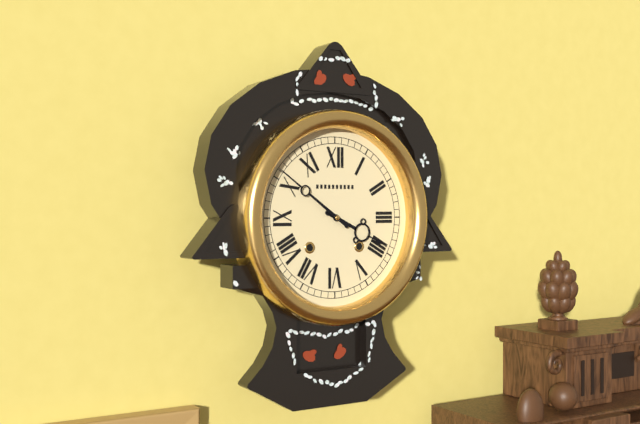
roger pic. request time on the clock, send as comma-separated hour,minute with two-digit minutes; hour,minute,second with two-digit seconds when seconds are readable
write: 3,51
